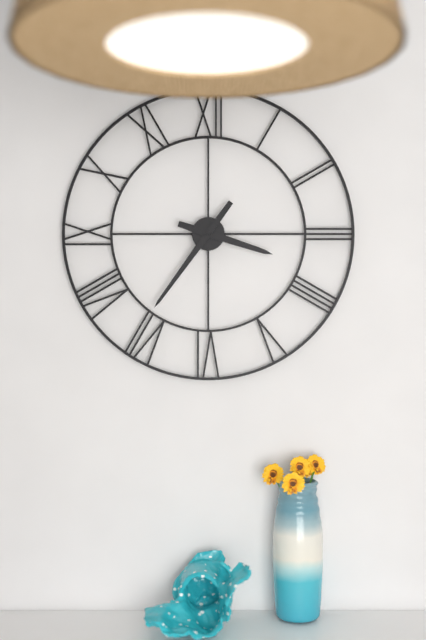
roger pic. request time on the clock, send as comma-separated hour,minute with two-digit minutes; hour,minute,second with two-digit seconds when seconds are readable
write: 3,36
